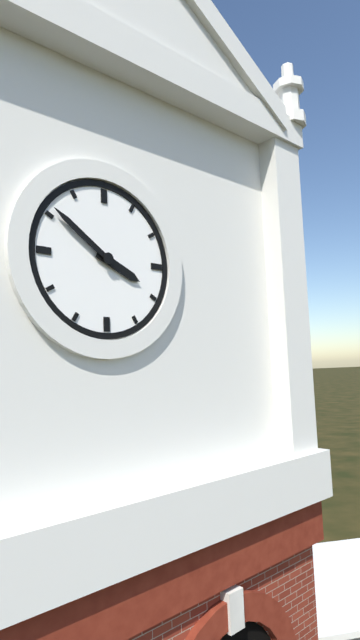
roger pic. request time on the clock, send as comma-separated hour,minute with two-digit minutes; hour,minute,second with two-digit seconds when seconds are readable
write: 3,51
